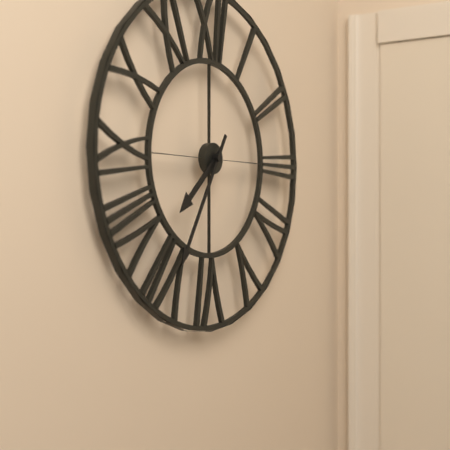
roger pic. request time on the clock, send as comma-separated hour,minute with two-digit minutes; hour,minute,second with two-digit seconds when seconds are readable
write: 7,35
